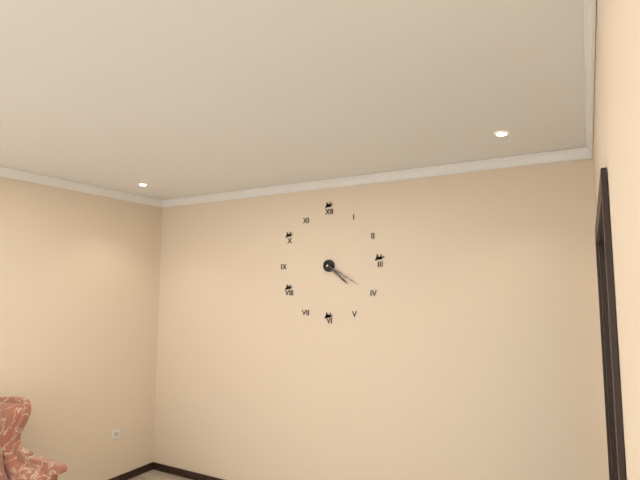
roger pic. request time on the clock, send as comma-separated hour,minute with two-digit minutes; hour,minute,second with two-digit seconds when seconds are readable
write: 4,20
